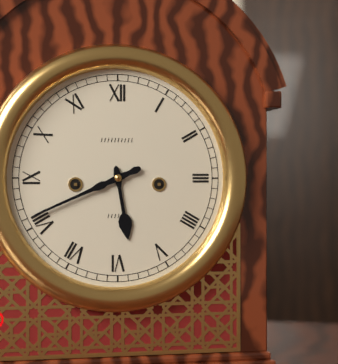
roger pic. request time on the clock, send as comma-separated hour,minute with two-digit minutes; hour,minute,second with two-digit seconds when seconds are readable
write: 5,41
